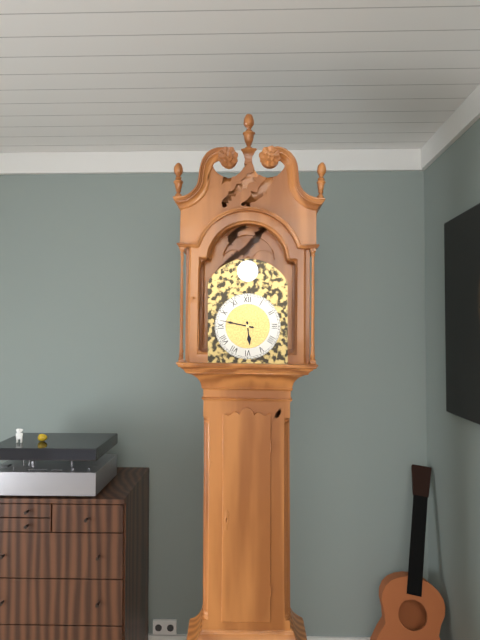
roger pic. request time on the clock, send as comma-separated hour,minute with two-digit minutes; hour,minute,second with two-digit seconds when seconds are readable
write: 5,47
